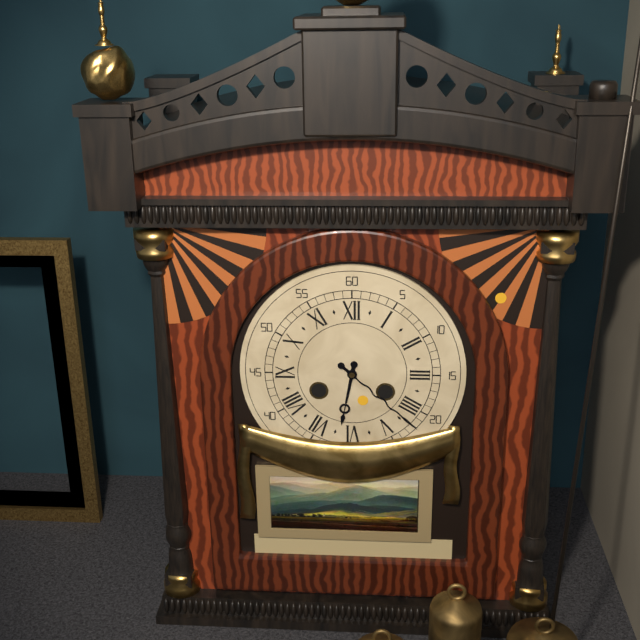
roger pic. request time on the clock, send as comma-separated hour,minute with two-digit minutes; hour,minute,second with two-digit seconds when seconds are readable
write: 6,22
